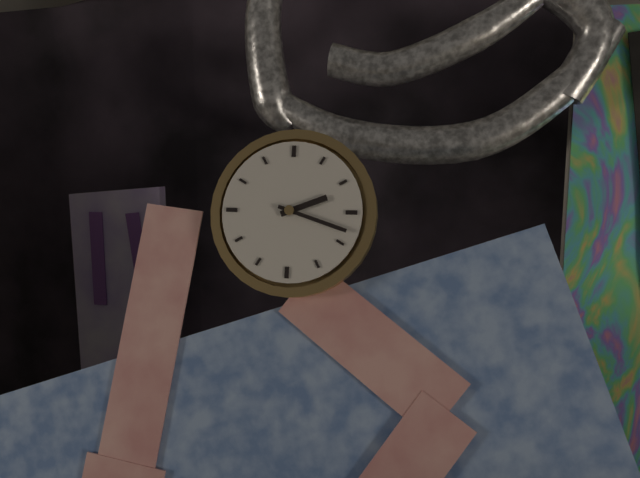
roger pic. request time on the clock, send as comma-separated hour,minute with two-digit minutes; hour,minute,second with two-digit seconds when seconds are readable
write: 2,18
